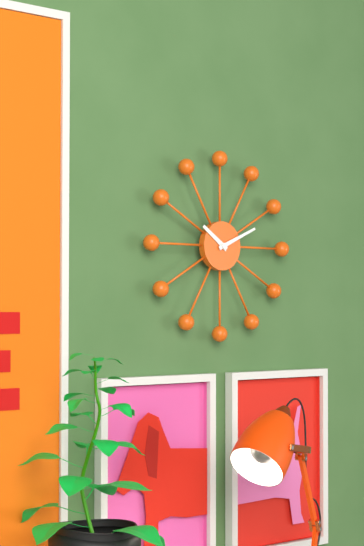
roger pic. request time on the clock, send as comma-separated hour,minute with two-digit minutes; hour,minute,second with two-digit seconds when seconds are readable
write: 10,11
